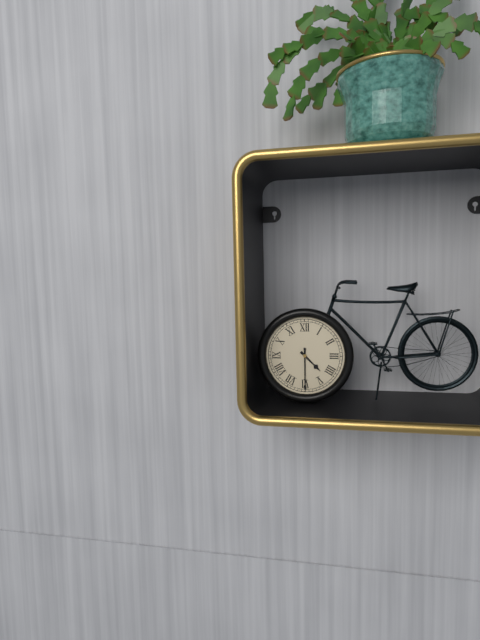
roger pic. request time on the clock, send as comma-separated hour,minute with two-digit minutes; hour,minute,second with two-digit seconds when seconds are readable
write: 4,30
